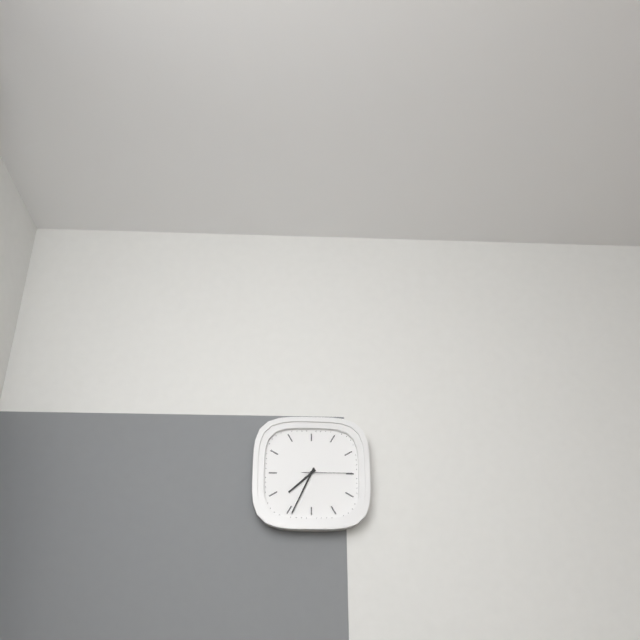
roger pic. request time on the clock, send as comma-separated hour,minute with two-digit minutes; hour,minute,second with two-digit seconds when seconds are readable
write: 7,34,15
